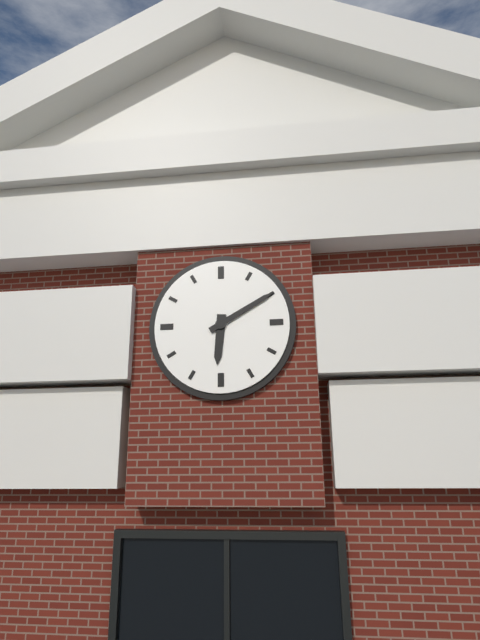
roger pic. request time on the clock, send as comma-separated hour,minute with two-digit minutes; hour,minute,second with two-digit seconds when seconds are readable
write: 6,10
